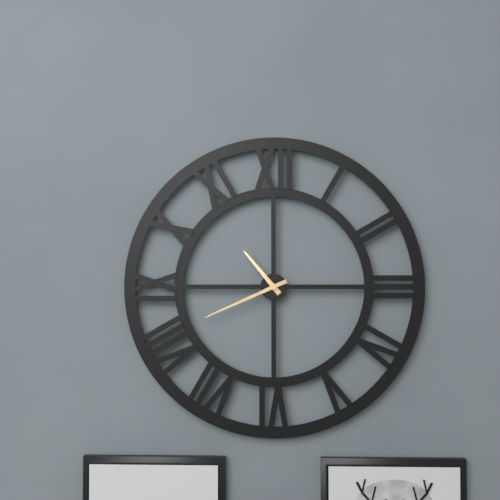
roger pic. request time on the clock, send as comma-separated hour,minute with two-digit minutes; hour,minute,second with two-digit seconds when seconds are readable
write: 10,41
